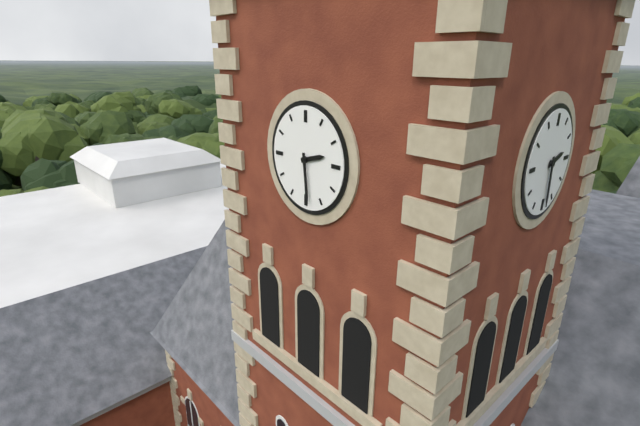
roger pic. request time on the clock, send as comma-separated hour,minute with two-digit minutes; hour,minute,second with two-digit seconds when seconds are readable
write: 2,29
